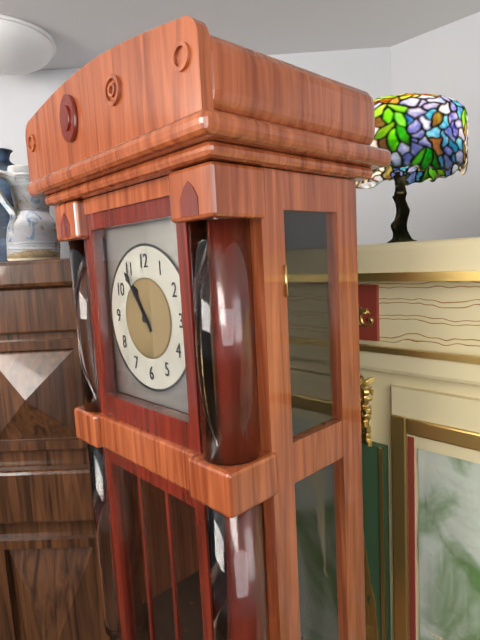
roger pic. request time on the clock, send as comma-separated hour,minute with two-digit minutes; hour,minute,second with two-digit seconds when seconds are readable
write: 10,54
